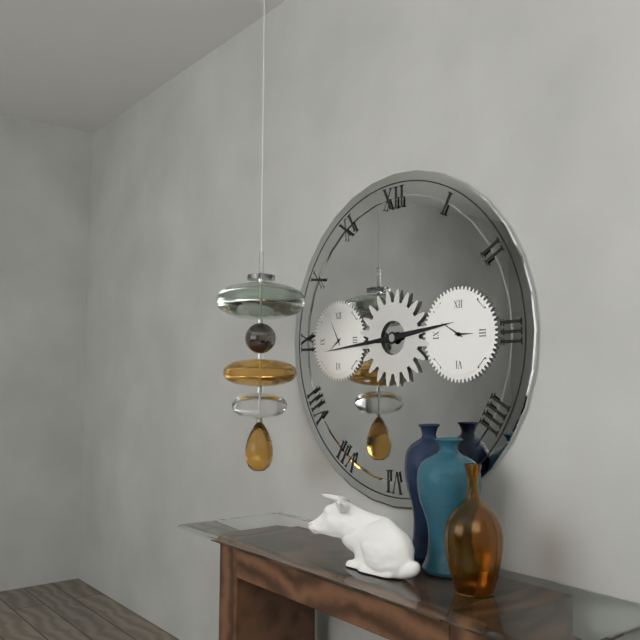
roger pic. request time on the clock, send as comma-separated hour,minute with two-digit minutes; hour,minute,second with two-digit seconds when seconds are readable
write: 2,44
